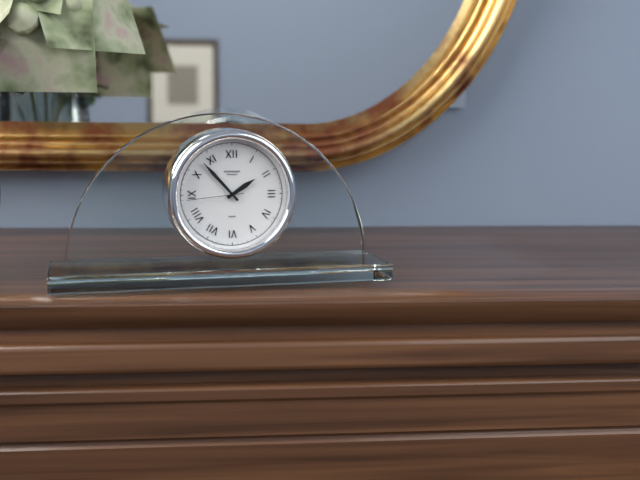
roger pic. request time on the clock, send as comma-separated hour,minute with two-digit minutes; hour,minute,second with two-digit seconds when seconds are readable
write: 1,53,44
